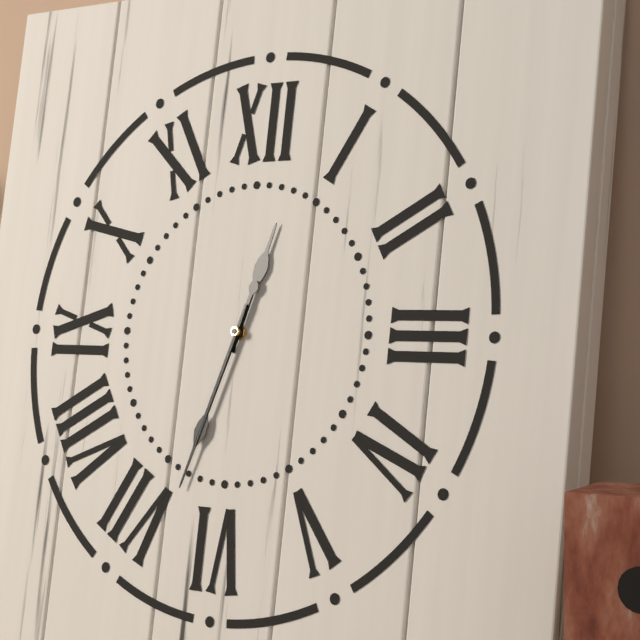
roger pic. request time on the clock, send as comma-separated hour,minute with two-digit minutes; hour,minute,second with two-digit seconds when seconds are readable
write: 12,33,33
